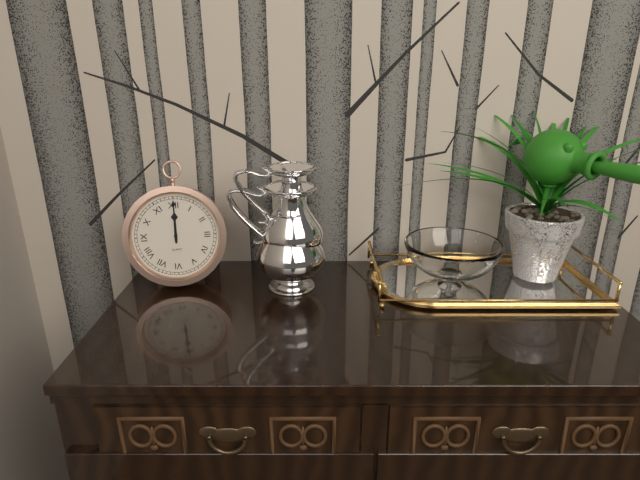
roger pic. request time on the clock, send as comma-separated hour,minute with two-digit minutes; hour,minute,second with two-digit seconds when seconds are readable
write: 12,00
